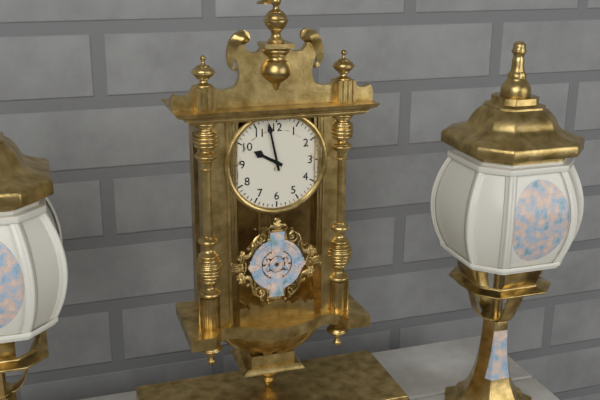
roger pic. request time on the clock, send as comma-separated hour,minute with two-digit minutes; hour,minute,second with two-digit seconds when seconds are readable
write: 9,58
